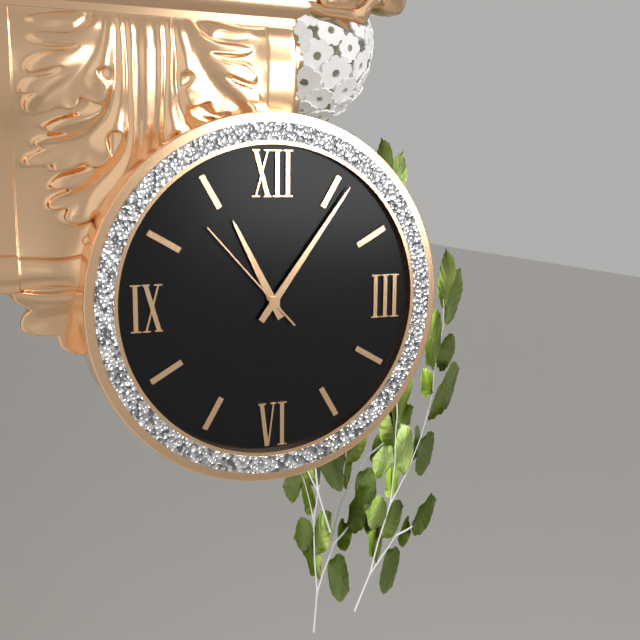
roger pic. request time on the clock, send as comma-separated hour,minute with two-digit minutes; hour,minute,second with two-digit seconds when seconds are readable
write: 11,06,53
